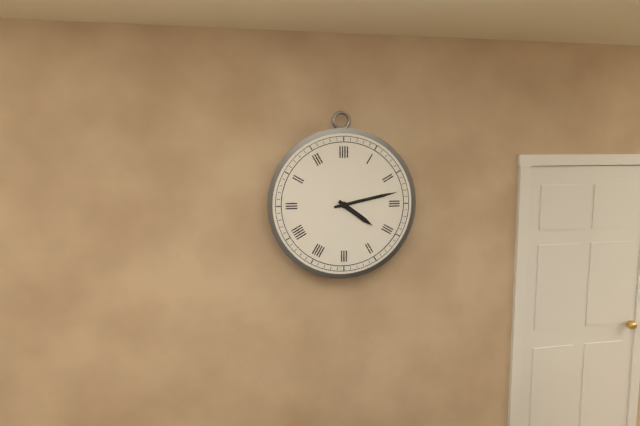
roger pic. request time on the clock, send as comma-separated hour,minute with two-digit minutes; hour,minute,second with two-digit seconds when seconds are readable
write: 4,13
